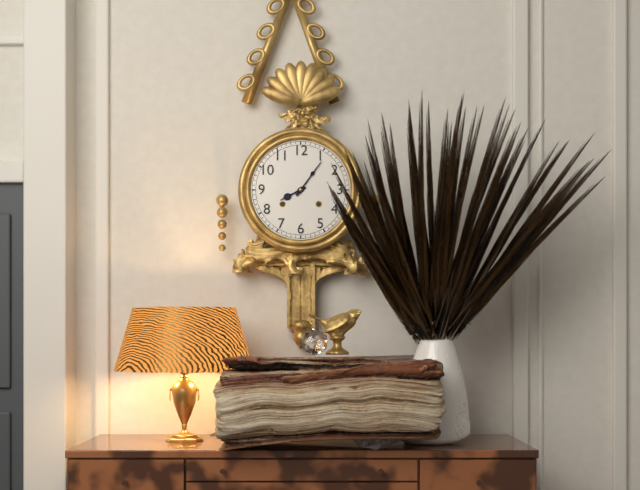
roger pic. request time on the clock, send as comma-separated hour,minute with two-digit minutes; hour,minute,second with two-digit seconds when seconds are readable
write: 8,06
